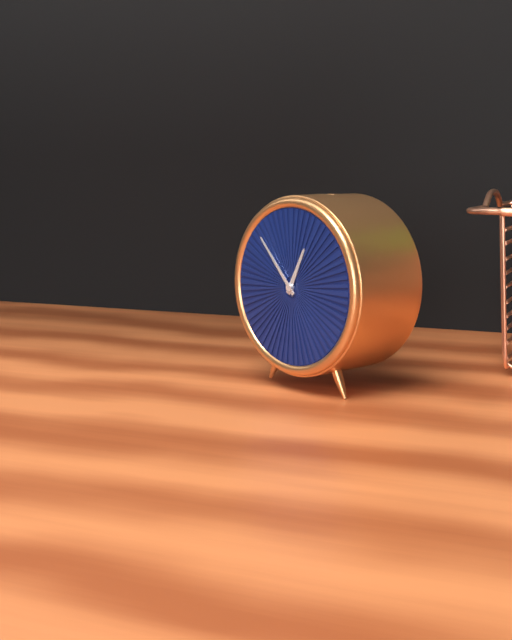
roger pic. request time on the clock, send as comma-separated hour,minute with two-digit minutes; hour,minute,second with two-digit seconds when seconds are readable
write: 12,53
